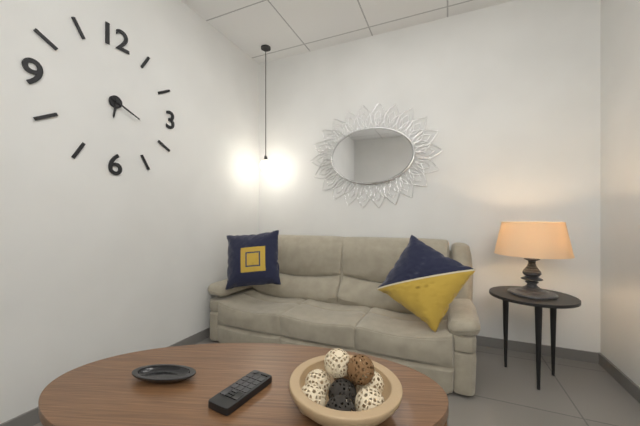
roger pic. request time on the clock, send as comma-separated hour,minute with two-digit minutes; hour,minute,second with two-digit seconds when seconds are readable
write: 6,19
